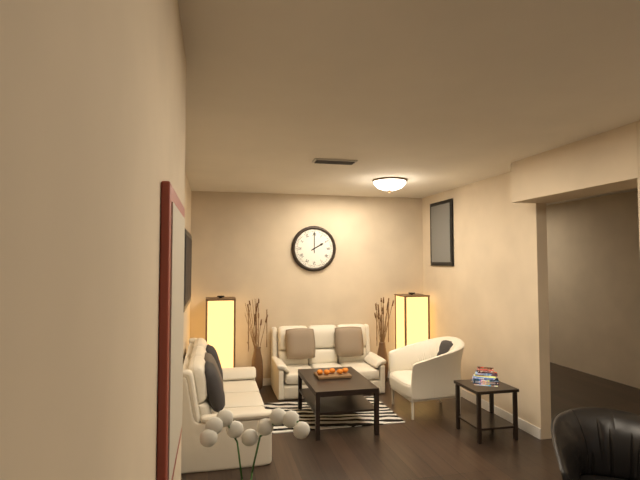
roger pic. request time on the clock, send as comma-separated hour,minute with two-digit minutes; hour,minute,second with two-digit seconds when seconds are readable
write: 2,00
